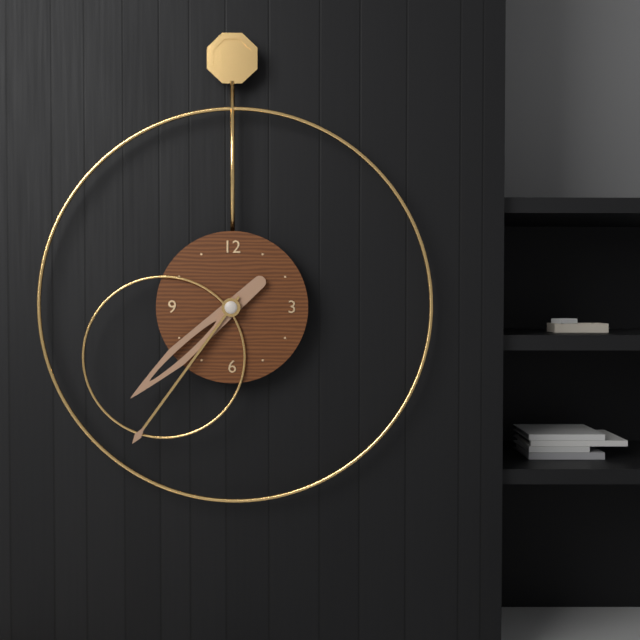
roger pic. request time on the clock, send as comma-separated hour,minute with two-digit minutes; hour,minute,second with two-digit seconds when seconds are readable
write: 7,36
